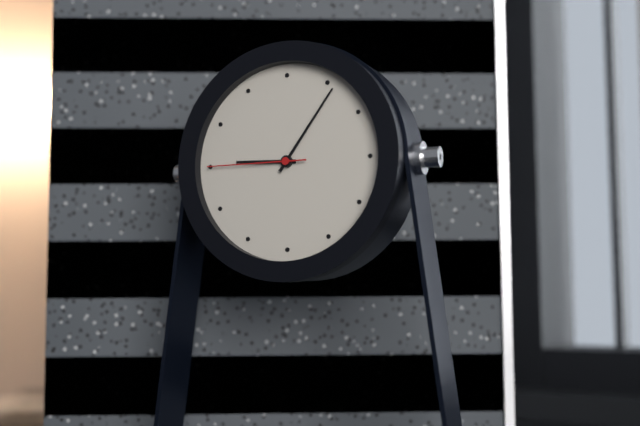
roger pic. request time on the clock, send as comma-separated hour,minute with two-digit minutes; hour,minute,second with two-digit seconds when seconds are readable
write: 9,06,45
